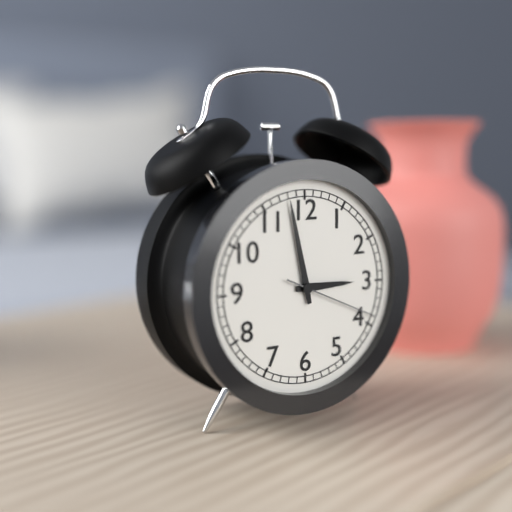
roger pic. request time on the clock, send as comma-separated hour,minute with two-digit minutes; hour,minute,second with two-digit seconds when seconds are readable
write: 2,58,19
